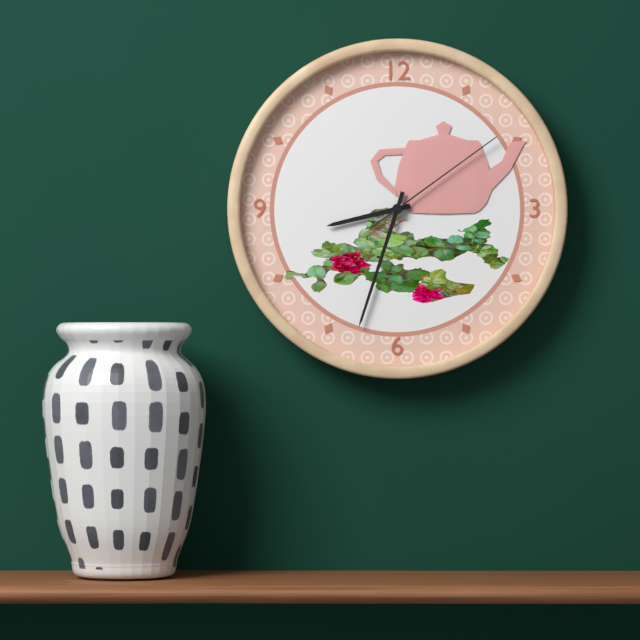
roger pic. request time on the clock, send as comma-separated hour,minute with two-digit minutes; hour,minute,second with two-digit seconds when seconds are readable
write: 8,33,09
